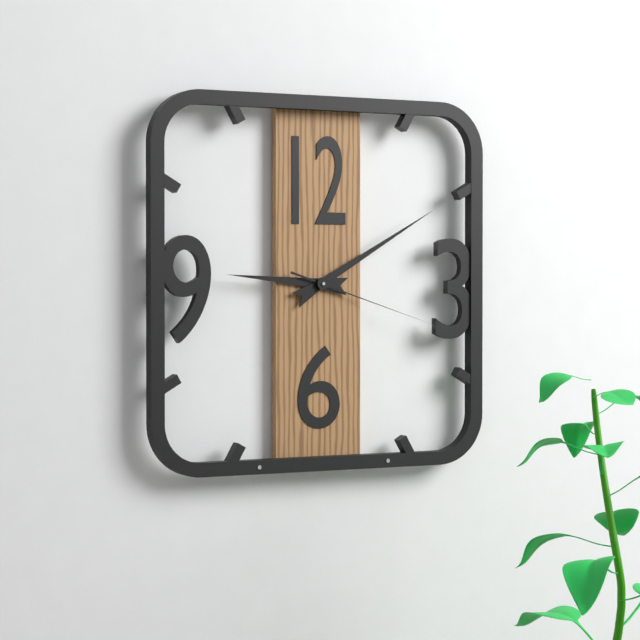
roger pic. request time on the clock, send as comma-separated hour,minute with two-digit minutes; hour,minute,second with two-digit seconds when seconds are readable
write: 9,10,18
